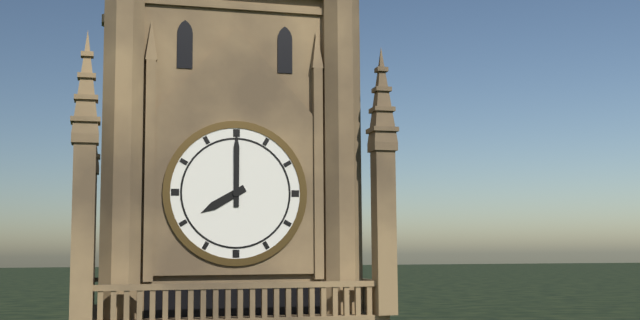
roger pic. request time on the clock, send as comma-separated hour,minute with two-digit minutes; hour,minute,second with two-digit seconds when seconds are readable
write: 8,00
